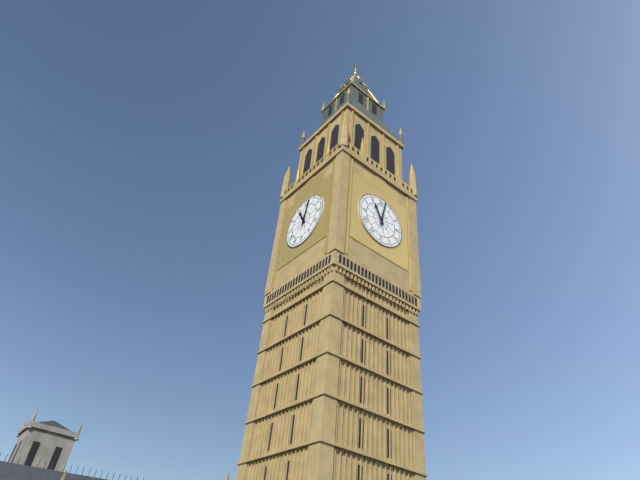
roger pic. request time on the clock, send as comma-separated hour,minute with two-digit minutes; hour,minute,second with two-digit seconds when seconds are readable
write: 11,02
